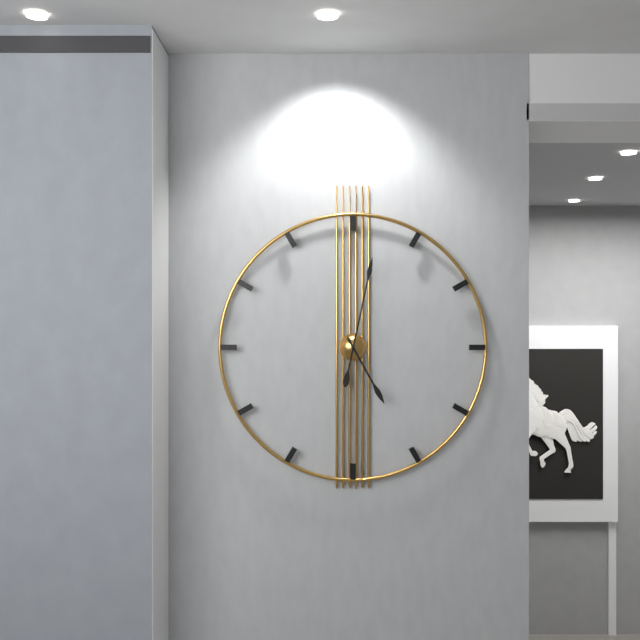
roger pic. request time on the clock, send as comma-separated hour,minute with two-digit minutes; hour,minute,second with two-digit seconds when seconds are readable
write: 5,02
